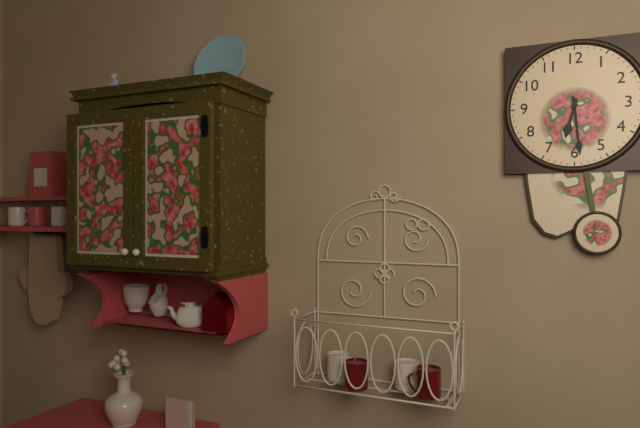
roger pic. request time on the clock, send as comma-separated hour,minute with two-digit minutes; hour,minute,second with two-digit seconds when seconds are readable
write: 6,29
